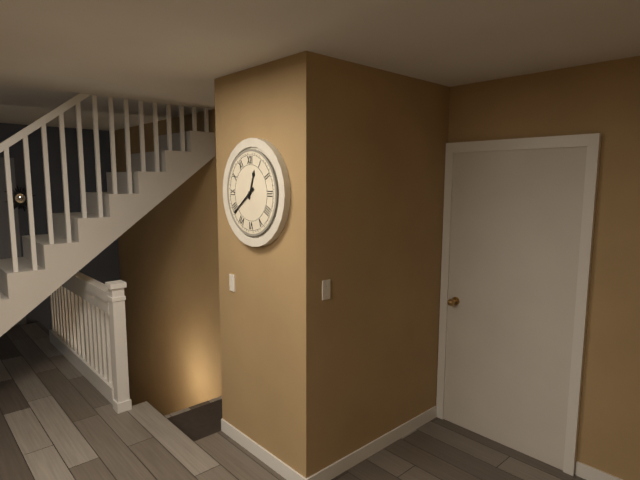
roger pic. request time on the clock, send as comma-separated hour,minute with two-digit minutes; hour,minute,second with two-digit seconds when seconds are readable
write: 12,39
